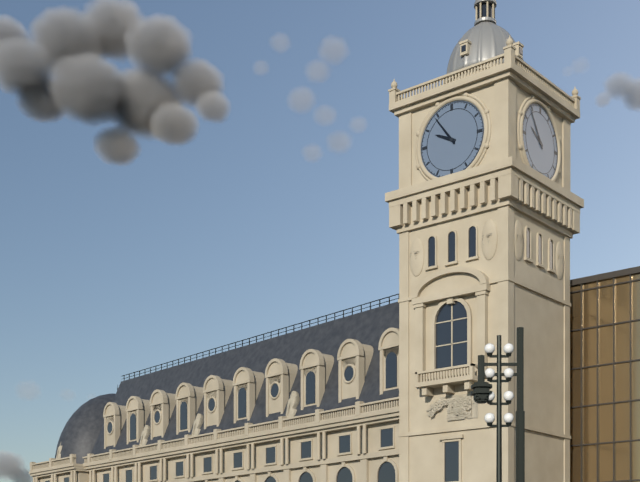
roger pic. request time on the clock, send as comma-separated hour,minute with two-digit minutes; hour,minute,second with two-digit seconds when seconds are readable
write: 9,54
